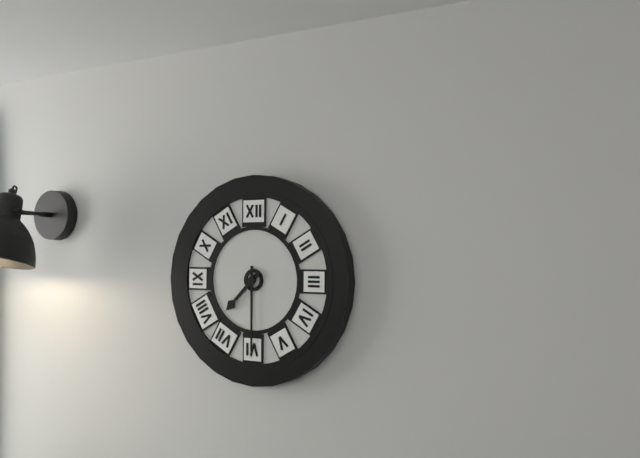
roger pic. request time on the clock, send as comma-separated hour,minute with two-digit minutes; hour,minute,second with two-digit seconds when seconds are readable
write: 7,30
